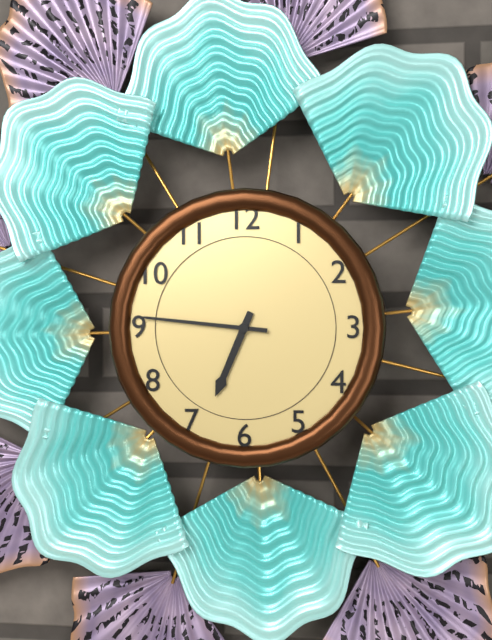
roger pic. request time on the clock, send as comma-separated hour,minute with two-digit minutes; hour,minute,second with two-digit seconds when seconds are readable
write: 6,46
